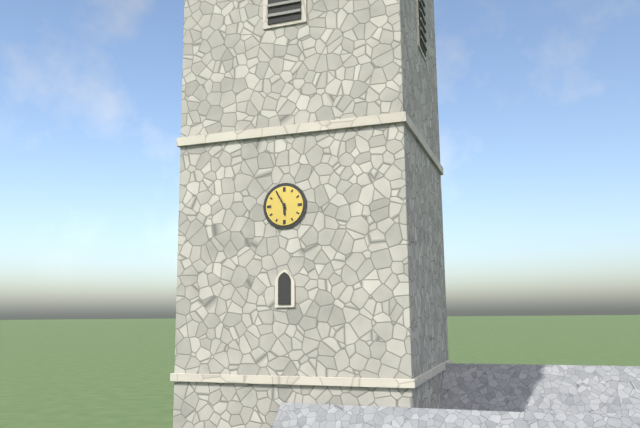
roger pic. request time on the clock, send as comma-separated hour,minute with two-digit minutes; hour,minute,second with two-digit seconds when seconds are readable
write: 5,55
